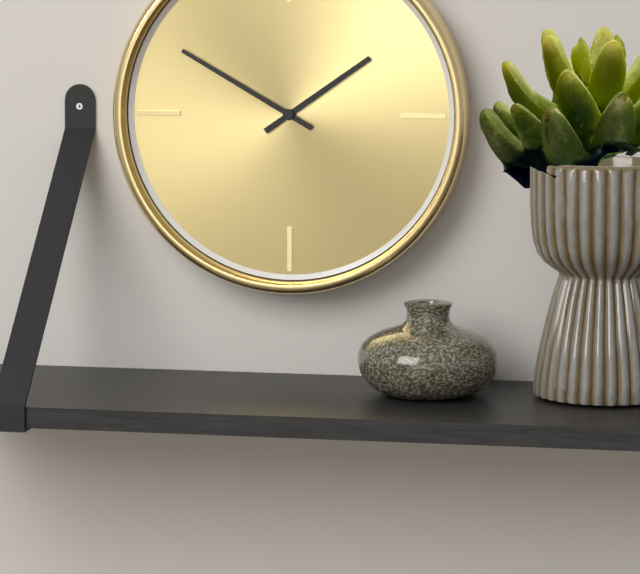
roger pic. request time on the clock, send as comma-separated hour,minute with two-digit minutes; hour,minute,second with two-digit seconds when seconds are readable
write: 1,50
